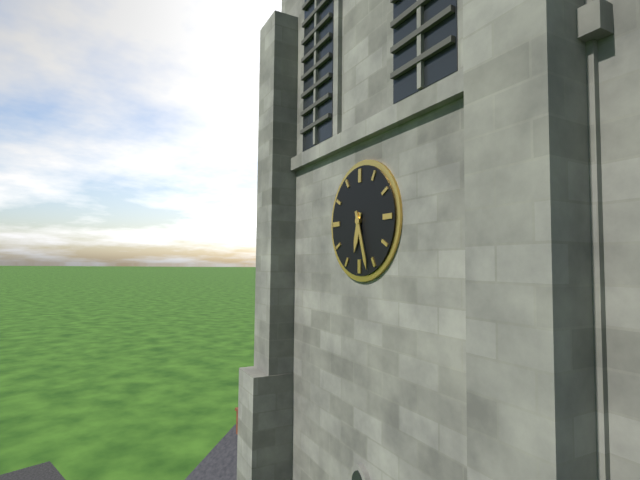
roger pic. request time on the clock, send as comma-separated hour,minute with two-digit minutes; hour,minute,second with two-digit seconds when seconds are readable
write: 6,27
